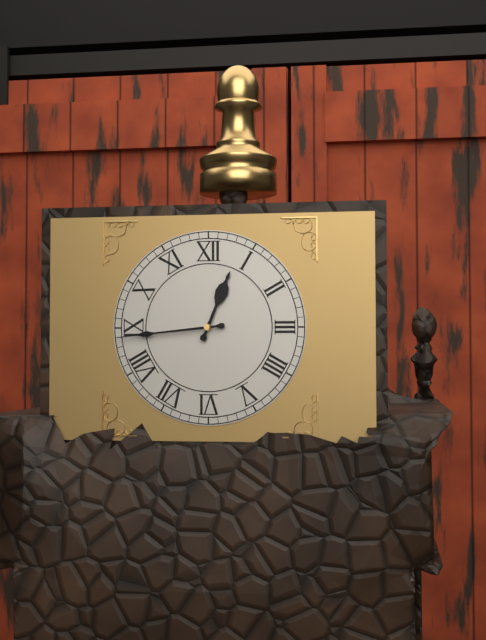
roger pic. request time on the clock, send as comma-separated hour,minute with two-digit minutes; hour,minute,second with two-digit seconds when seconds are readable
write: 12,44
